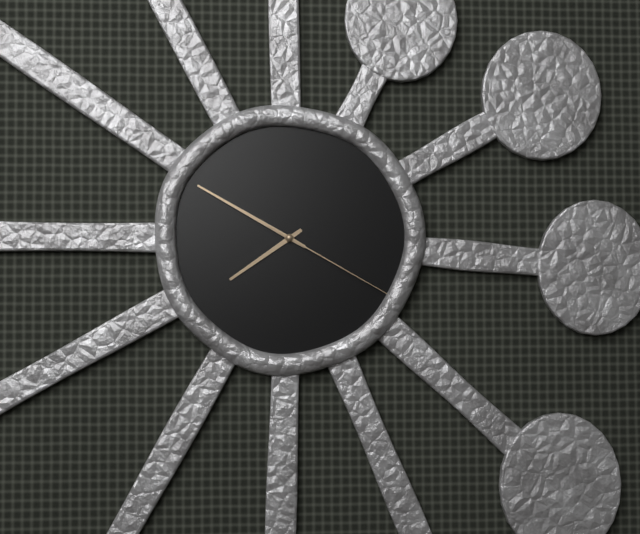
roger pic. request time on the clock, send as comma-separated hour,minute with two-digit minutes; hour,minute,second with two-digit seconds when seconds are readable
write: 7,50,20
